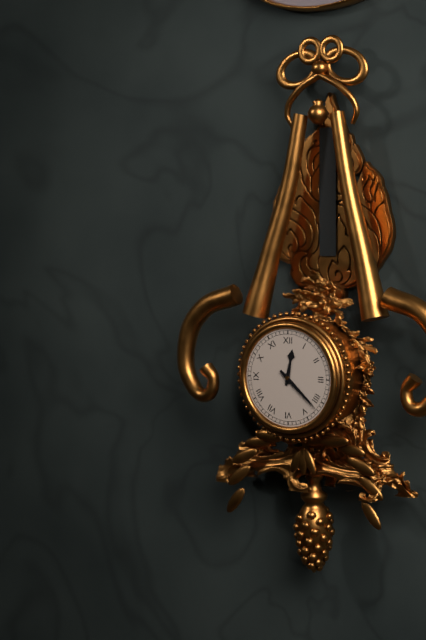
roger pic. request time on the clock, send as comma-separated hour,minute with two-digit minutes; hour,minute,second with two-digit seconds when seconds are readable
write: 12,22
